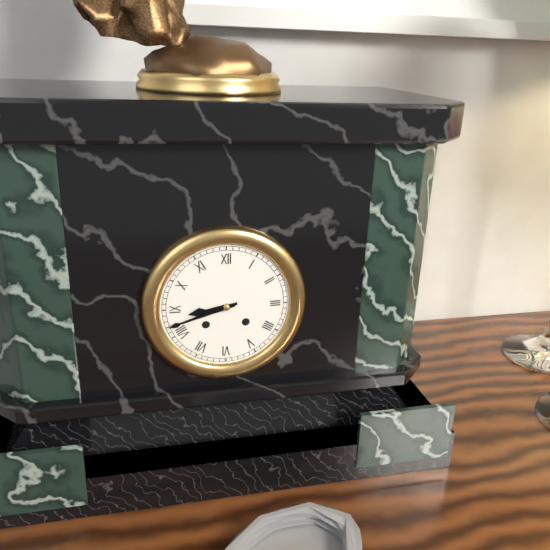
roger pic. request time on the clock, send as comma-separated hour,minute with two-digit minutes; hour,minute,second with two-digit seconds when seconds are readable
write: 8,42
